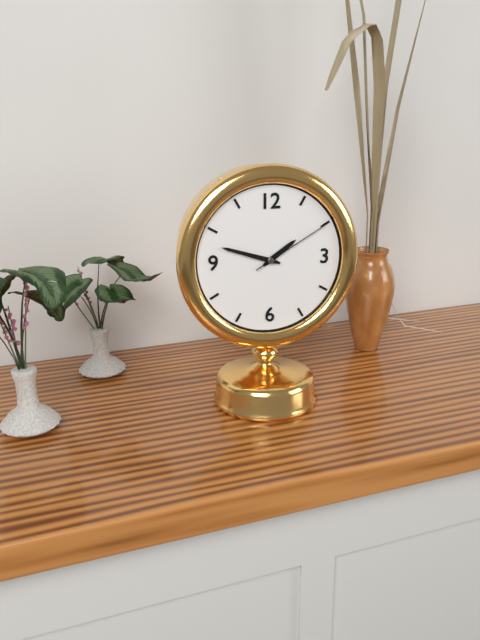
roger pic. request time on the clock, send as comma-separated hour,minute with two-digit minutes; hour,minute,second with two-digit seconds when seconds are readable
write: 1,48,10
